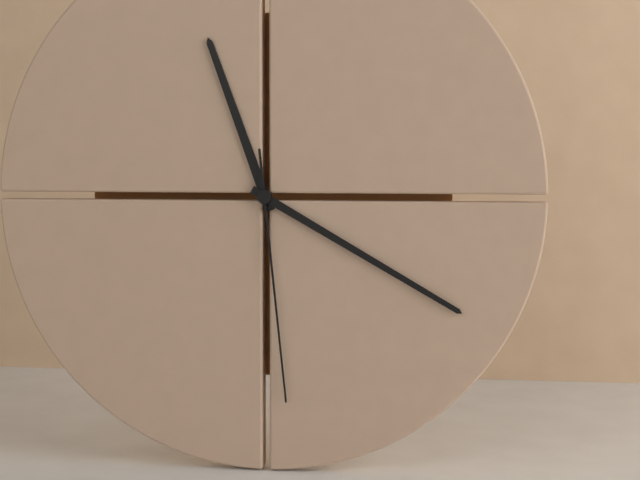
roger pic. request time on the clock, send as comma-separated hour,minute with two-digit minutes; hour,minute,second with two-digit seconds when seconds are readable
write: 11,20,29
